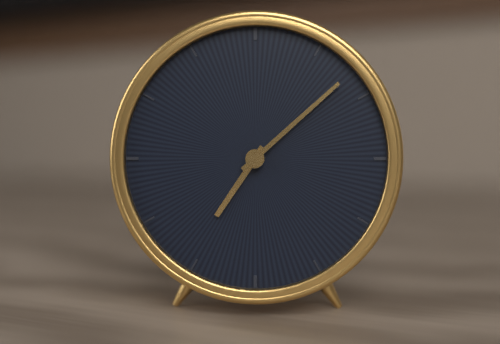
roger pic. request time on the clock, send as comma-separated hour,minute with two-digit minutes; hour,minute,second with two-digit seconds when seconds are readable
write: 7,08
